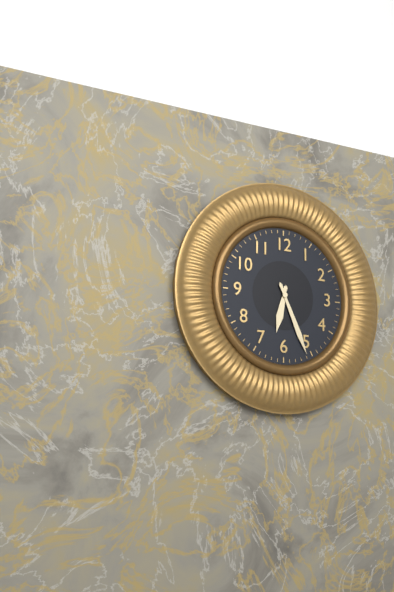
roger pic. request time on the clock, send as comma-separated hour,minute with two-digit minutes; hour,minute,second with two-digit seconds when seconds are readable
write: 6,26
